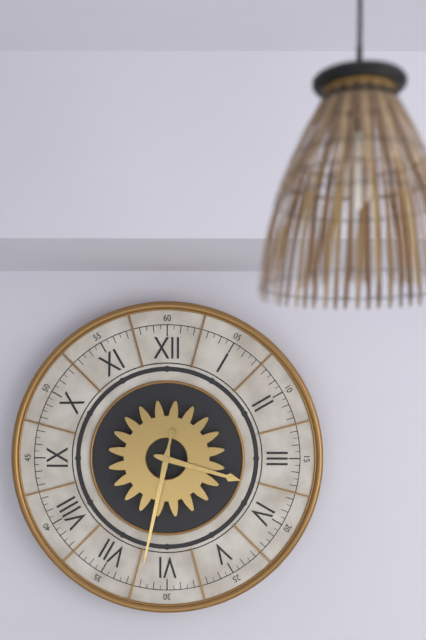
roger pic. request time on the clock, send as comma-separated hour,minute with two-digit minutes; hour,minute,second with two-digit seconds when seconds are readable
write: 3,32
